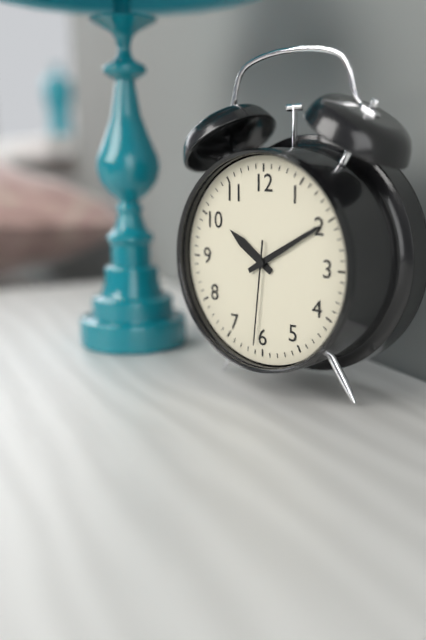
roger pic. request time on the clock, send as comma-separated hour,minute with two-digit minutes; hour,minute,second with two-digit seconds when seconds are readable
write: 10,10,31
